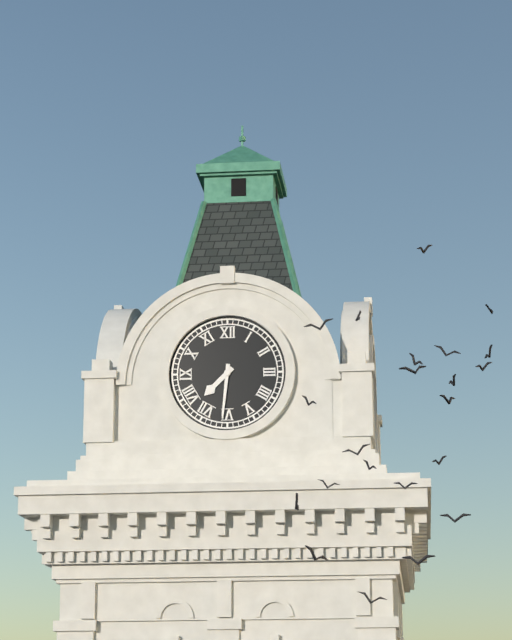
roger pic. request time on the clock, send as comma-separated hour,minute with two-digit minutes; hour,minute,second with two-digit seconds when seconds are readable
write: 7,31
